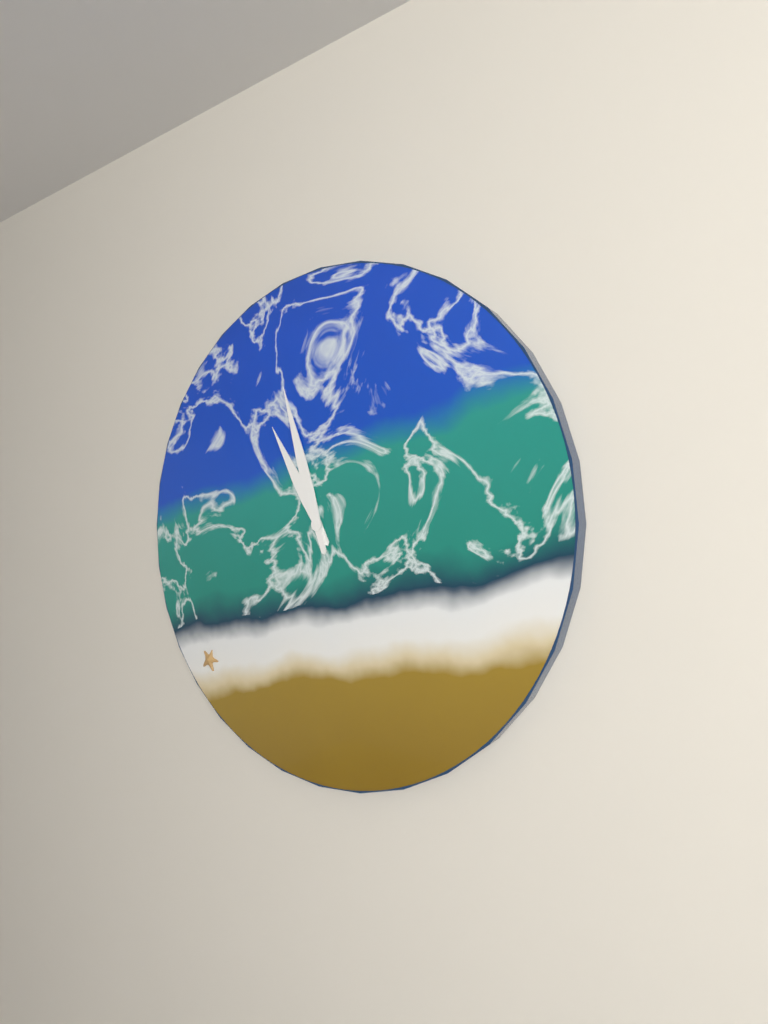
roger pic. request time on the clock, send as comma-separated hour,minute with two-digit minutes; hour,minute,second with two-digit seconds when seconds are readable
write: 10,57
